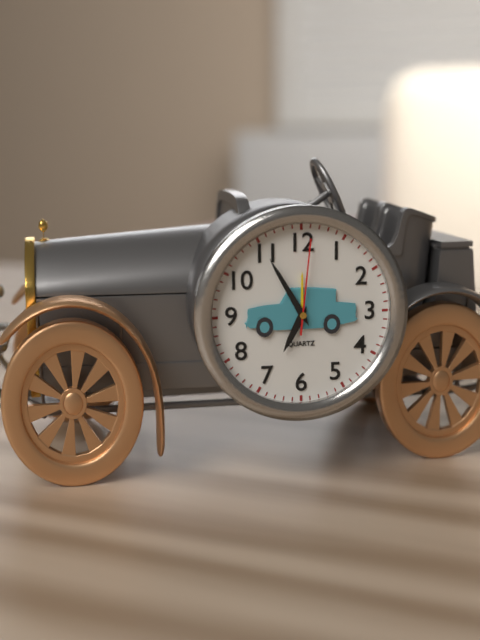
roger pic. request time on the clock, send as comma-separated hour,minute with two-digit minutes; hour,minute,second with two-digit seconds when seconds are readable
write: 6,55,01
